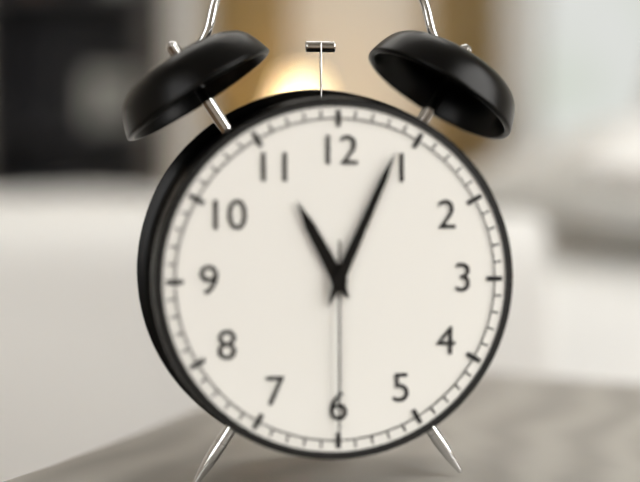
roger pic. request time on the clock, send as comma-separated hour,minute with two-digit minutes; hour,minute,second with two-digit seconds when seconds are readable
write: 11,04,30
